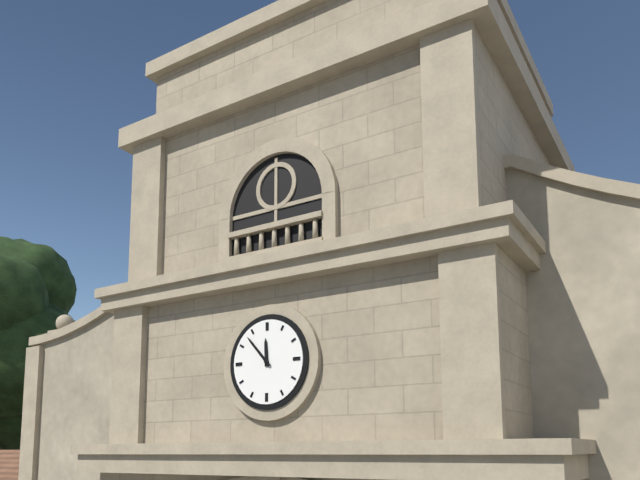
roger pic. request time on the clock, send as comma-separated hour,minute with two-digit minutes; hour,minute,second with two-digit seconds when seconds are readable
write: 11,53
